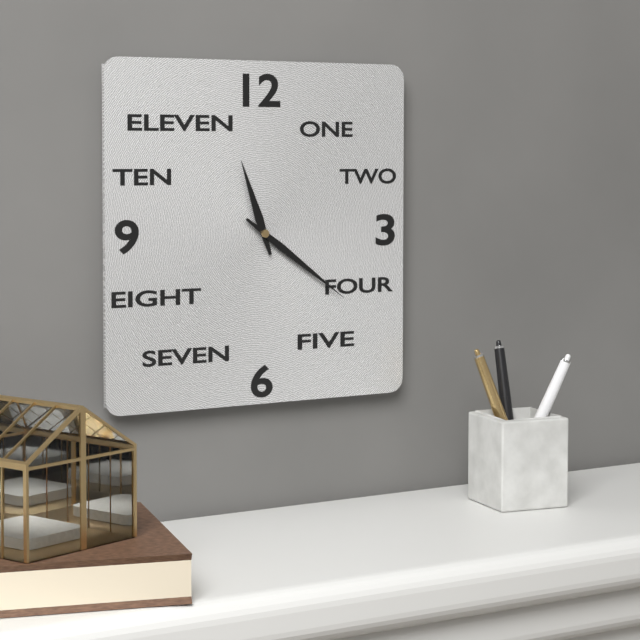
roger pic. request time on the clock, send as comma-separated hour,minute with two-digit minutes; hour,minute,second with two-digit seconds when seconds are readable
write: 11,21
